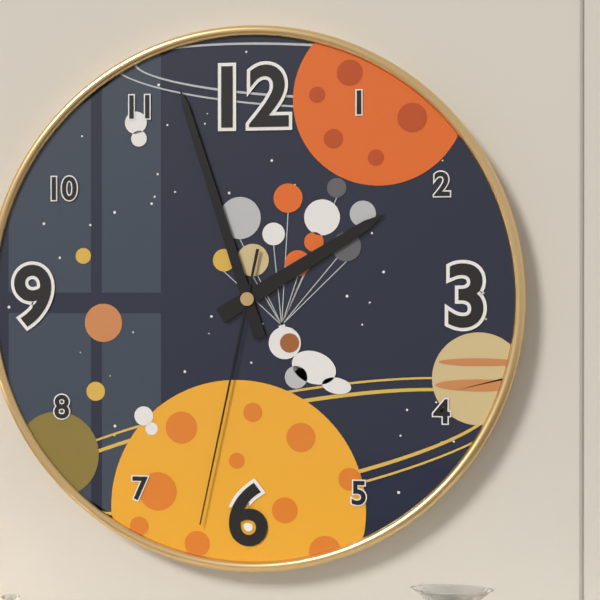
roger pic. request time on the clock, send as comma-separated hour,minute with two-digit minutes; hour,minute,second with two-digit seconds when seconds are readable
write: 1,57,32
